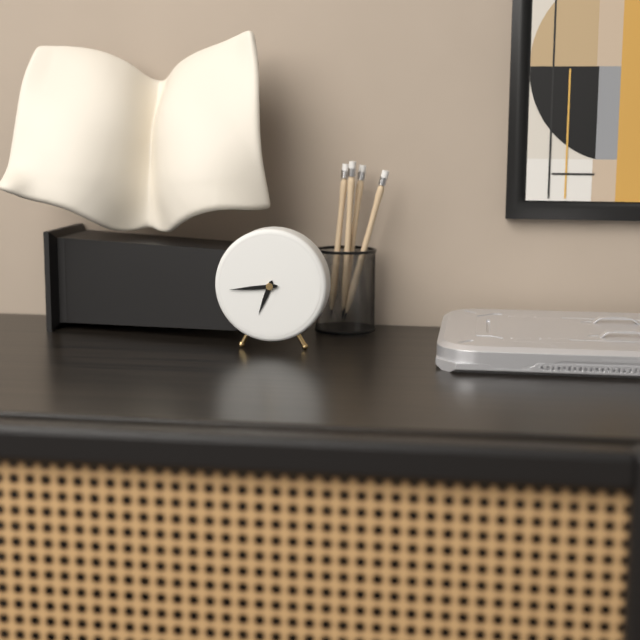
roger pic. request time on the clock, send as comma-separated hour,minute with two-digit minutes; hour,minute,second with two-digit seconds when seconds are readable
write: 6,44
